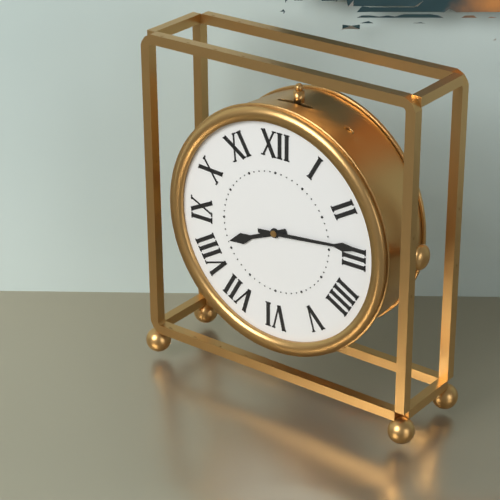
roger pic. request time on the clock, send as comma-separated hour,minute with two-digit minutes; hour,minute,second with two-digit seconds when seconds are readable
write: 8,14
